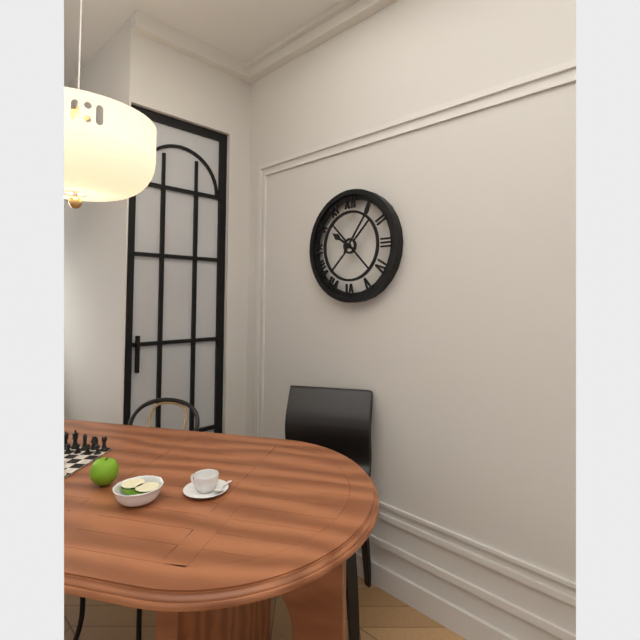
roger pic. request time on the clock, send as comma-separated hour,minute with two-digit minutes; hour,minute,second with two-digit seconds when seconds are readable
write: 10,06
